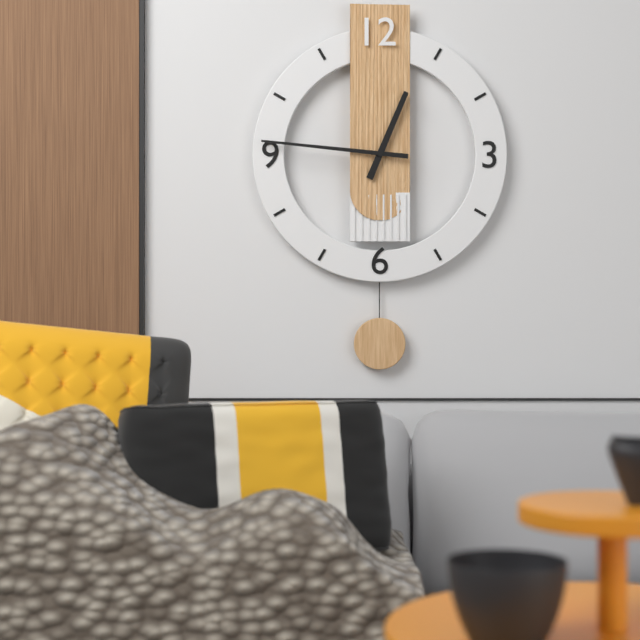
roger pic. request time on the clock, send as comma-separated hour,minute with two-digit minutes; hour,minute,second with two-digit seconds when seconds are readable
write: 12,46
